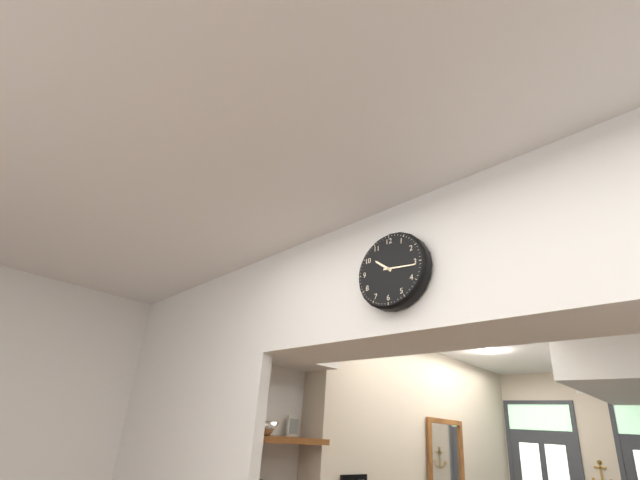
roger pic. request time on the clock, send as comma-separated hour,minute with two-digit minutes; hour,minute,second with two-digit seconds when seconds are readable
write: 10,16
